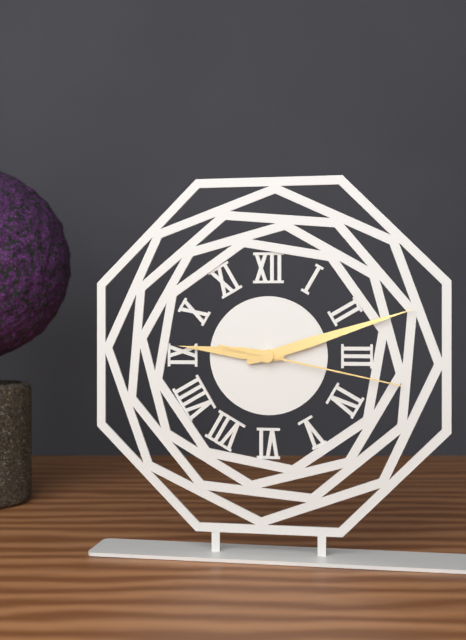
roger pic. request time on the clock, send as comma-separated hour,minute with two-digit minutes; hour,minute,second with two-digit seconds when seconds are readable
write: 9,12,17
